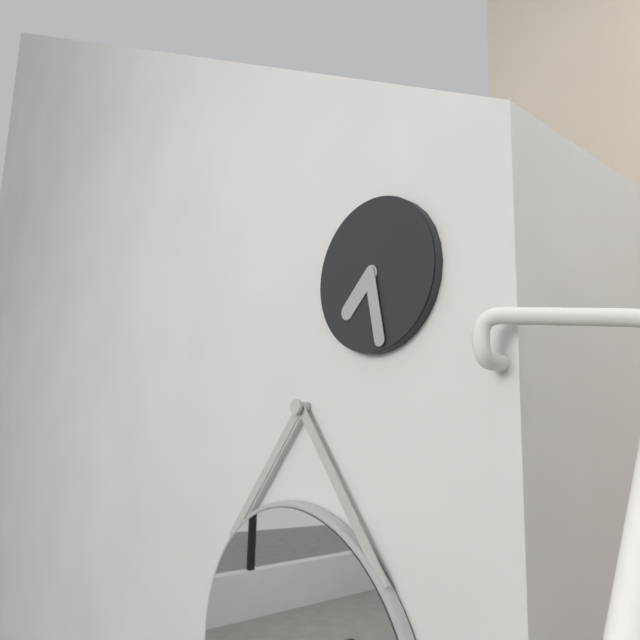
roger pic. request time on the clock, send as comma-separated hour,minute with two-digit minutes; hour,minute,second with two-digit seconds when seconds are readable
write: 7,28
